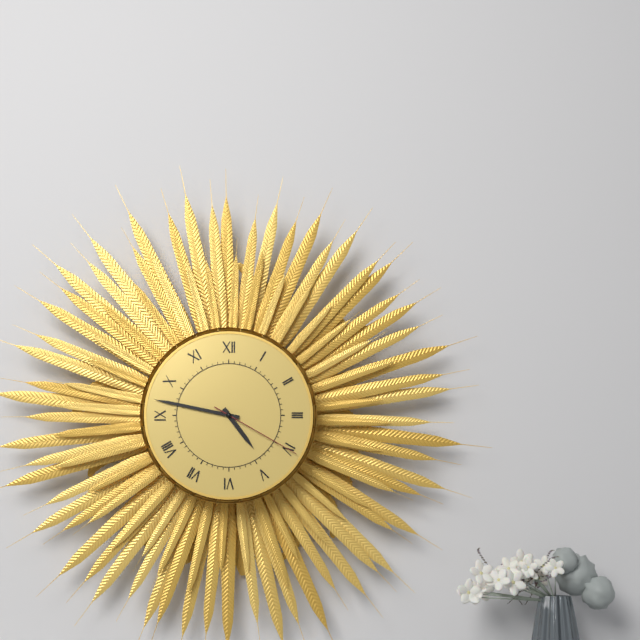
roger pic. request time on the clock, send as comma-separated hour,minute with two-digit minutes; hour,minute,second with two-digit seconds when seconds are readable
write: 4,47,20
